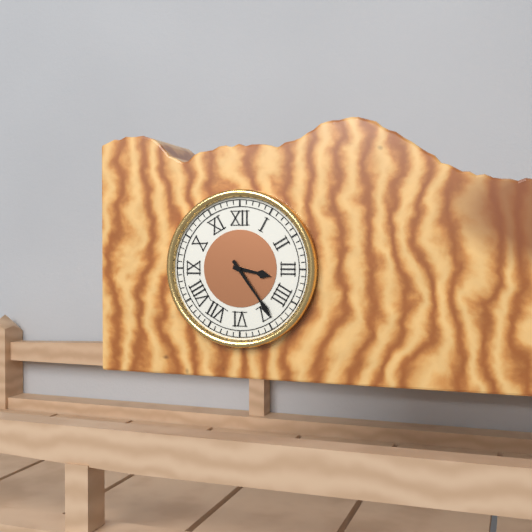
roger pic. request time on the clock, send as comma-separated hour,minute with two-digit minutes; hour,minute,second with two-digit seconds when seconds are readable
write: 3,24
